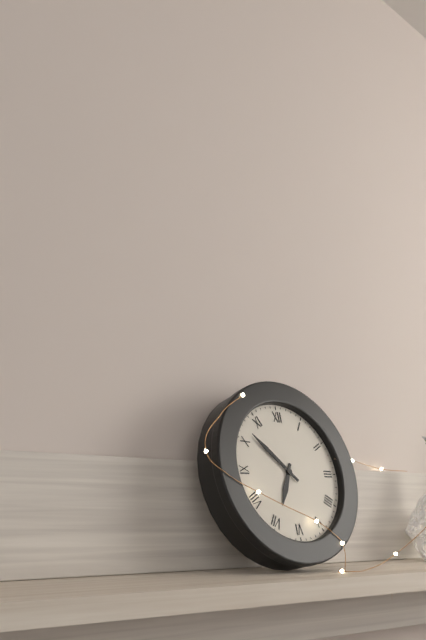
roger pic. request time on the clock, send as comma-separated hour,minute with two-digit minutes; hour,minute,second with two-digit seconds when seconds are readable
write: 6,52
